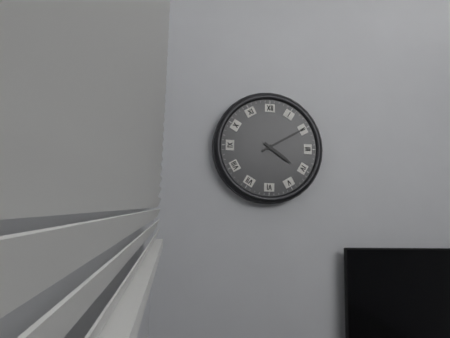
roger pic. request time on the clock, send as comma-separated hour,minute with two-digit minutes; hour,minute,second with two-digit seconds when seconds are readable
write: 4,10
